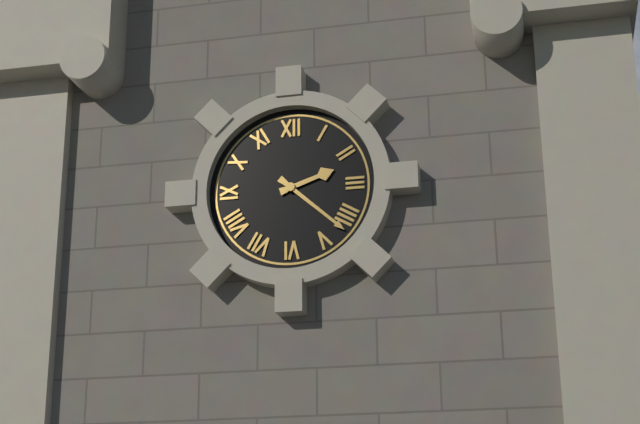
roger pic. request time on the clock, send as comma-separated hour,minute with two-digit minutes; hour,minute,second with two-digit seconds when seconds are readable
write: 2,22
